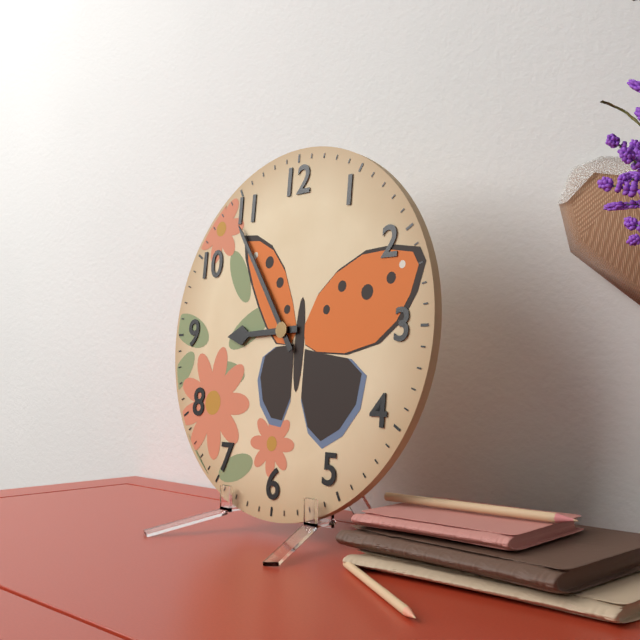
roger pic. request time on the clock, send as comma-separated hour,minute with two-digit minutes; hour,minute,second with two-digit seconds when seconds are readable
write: 8,54
